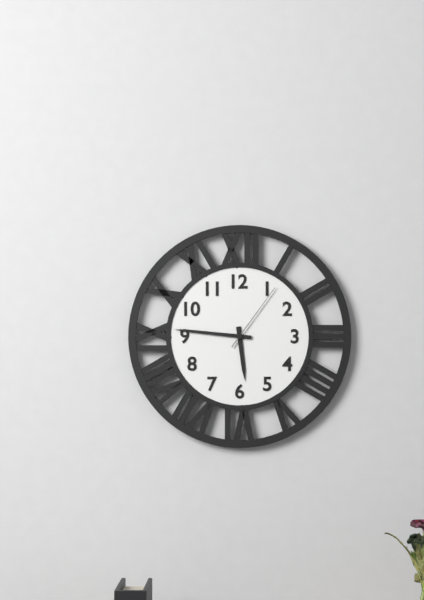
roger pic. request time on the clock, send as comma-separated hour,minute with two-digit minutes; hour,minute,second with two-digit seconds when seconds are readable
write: 5,46,06
